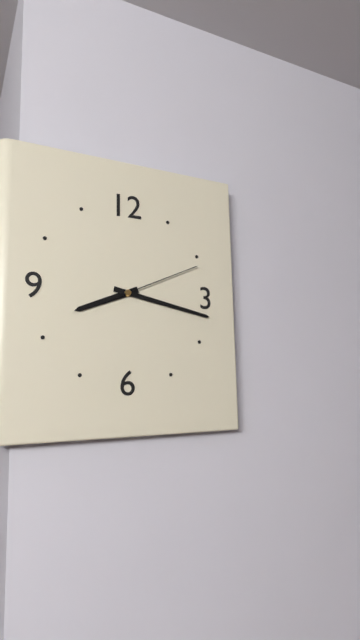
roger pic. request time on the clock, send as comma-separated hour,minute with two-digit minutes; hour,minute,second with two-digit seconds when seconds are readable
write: 8,17,11
